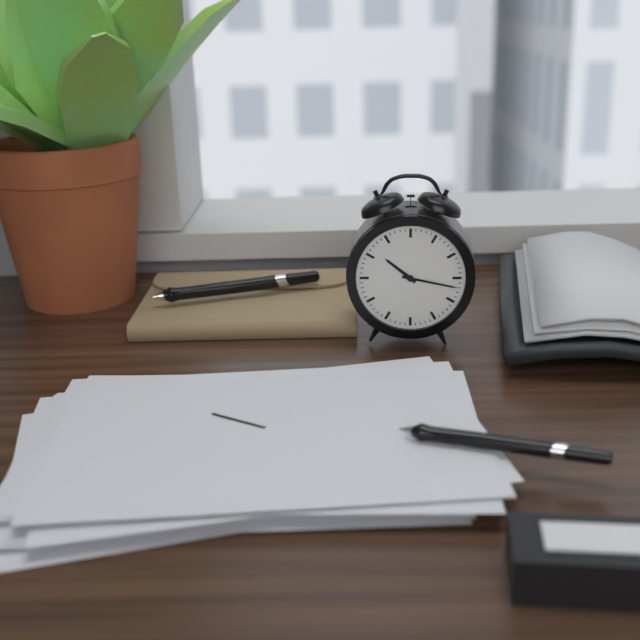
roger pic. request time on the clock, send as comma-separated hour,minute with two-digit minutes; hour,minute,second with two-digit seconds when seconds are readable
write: 10,17
